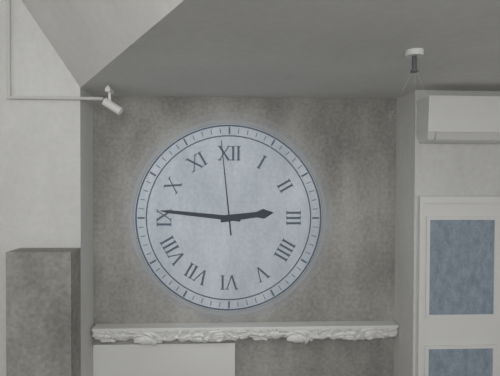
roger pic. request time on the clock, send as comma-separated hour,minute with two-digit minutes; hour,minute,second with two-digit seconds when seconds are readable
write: 2,46,59
